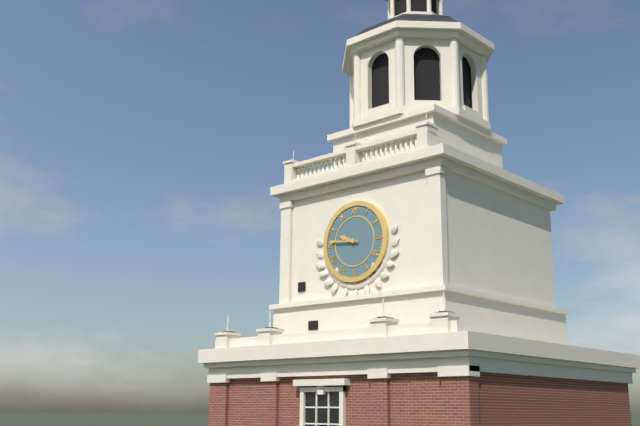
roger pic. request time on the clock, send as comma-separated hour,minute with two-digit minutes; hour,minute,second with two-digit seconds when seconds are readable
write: 9,46
